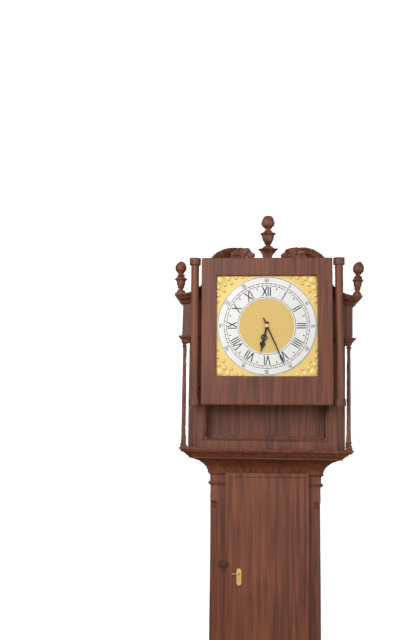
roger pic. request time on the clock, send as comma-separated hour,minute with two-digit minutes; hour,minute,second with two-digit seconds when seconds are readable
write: 6,26
